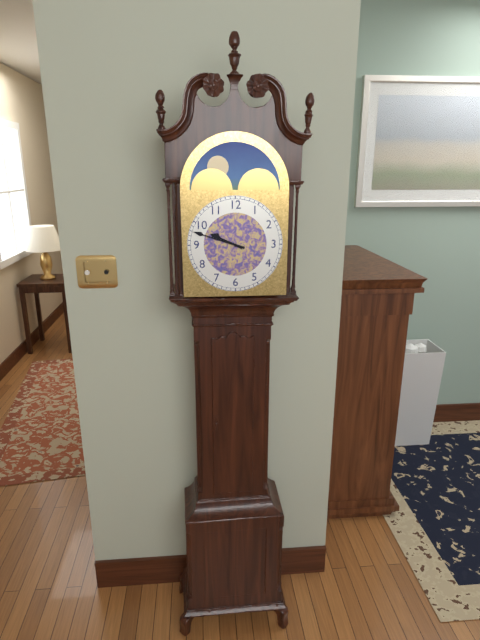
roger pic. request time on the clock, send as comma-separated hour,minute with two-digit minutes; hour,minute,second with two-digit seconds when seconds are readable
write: 9,48
